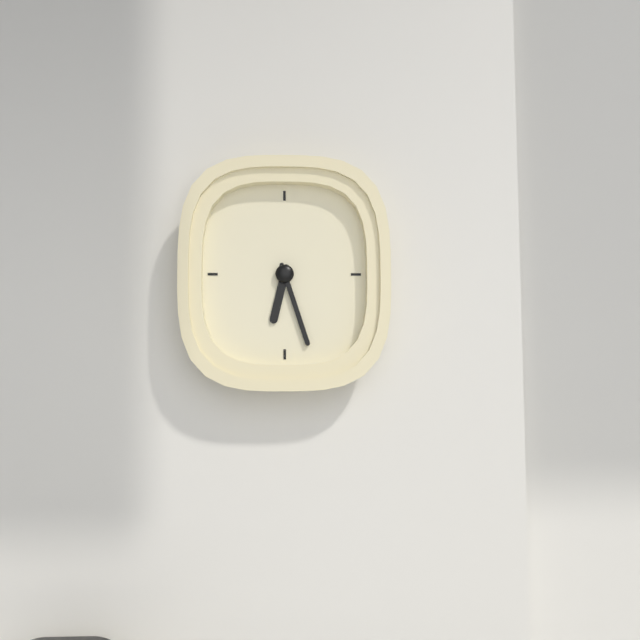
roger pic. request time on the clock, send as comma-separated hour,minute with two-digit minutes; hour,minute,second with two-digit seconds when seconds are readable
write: 6,27
